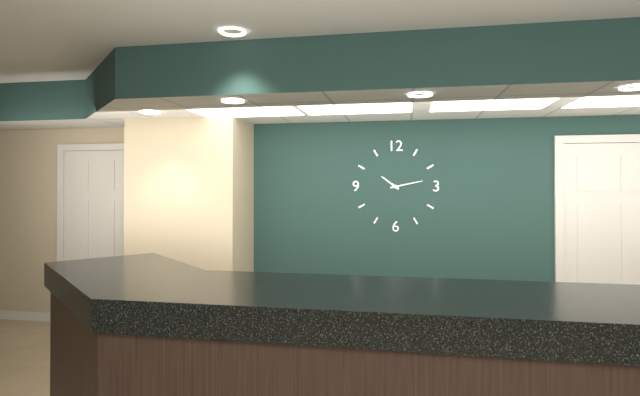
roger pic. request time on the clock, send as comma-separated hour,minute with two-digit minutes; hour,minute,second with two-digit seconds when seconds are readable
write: 10,13
